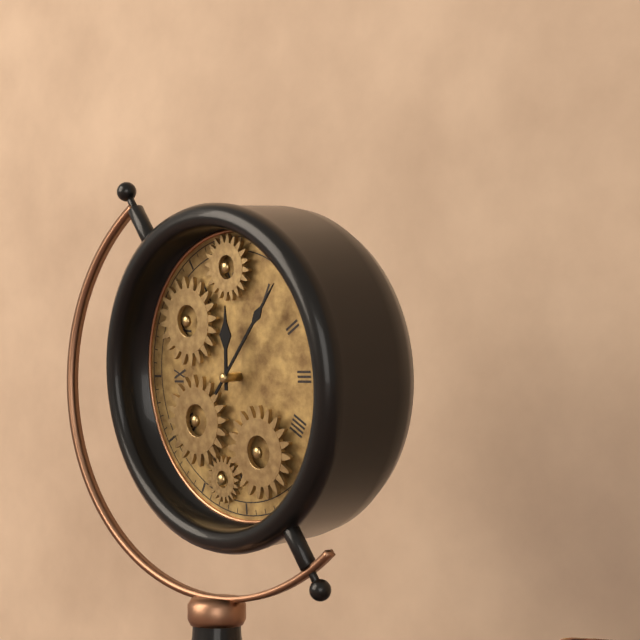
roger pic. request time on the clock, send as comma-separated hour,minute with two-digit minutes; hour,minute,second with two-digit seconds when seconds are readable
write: 12,07
